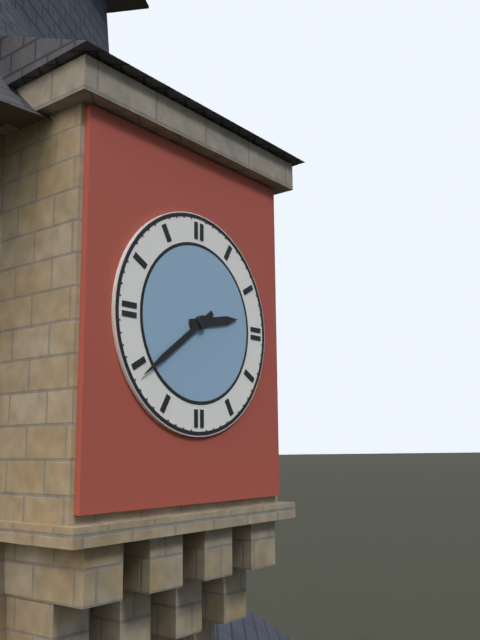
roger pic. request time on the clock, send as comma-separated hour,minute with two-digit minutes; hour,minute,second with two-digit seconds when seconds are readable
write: 2,39
